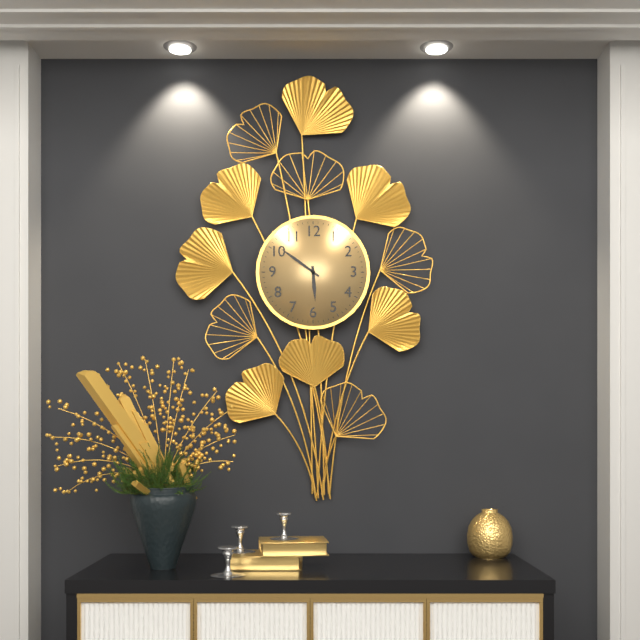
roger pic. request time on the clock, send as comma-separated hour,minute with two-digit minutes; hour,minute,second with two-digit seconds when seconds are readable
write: 5,51
